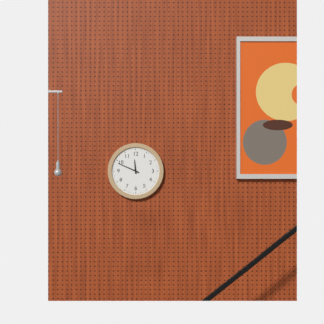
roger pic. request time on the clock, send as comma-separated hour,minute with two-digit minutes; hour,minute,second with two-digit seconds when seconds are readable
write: 11,49
